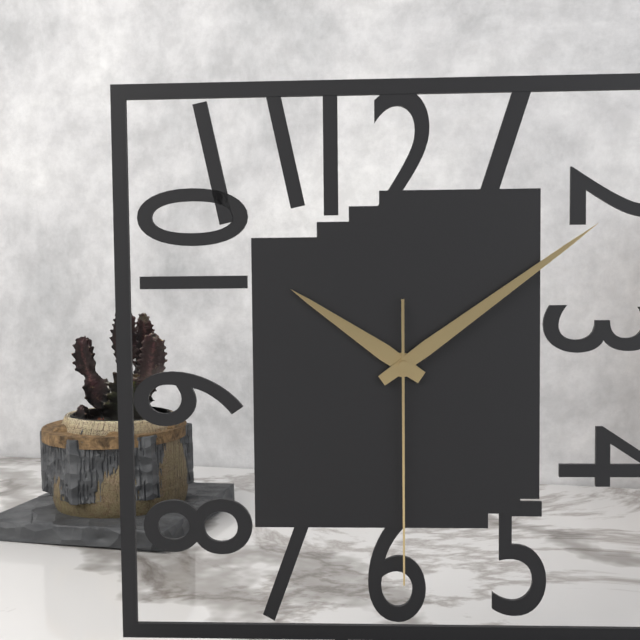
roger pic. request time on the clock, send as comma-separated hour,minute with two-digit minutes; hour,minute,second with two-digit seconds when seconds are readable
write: 10,09,30
